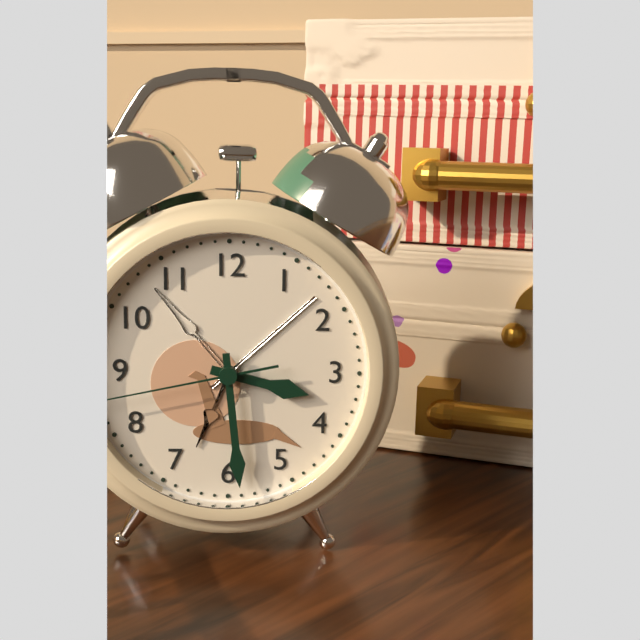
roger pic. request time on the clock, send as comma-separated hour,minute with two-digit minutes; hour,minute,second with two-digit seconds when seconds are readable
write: 3,29,43
